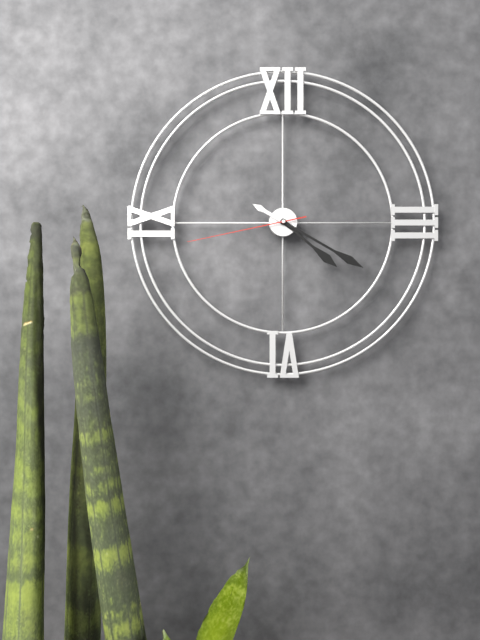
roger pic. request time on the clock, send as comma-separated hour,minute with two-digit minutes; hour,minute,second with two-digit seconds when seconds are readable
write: 4,20,43
